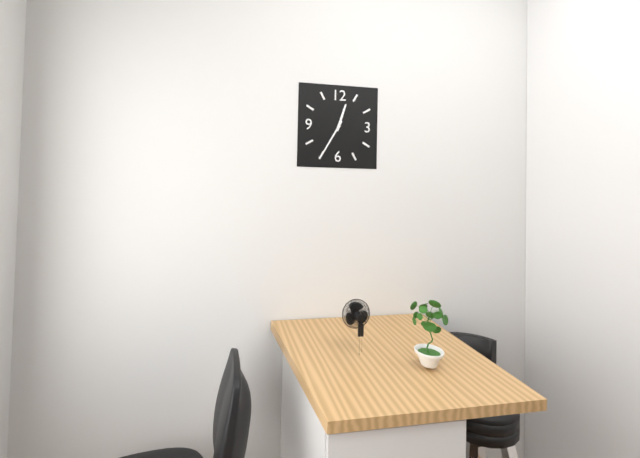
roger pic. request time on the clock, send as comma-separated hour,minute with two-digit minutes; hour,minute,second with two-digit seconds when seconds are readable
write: 12,35
